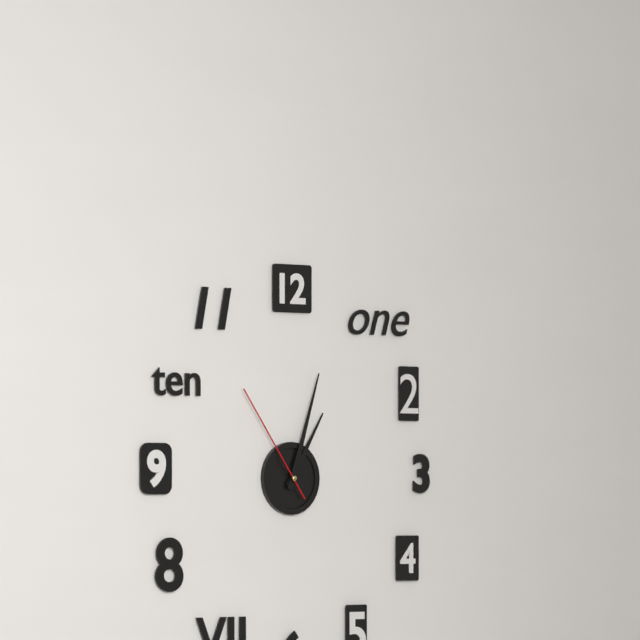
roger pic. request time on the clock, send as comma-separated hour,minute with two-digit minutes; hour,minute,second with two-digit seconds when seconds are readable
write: 1,03,54
